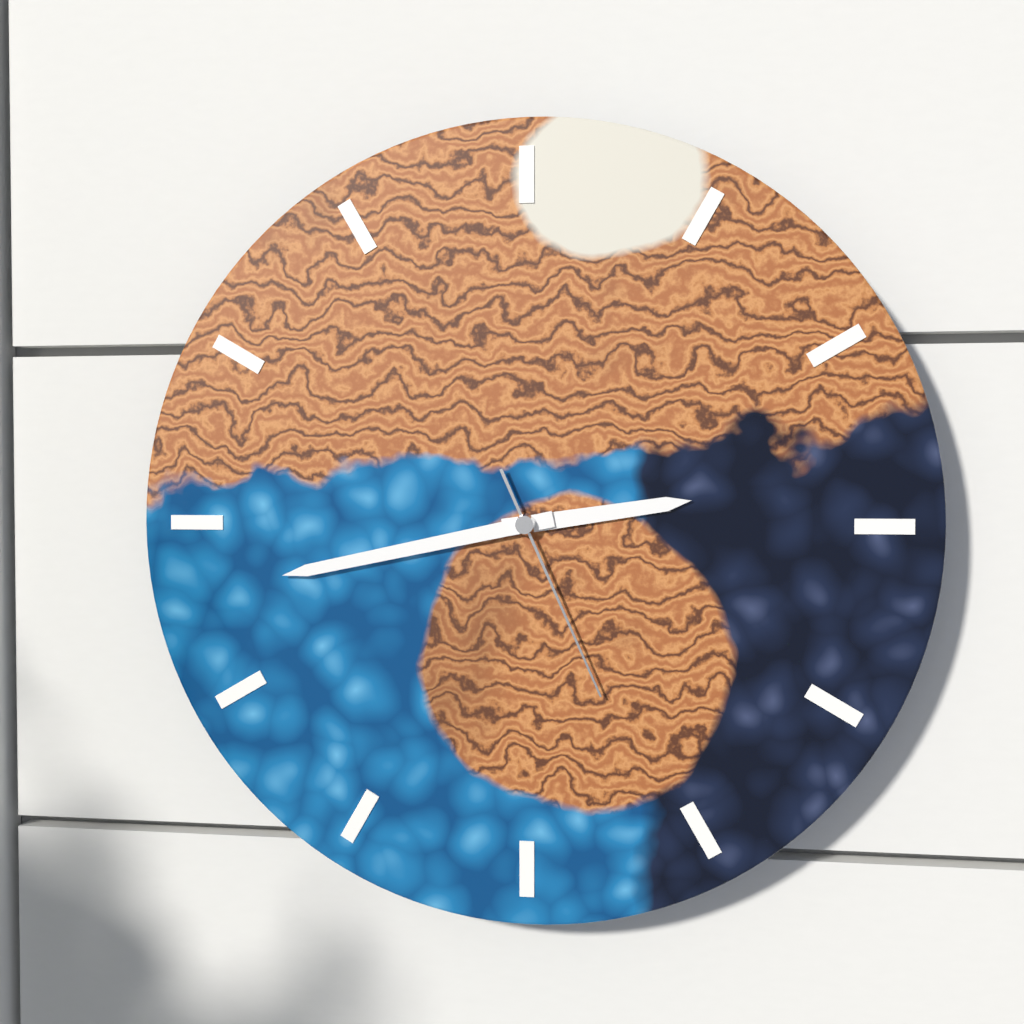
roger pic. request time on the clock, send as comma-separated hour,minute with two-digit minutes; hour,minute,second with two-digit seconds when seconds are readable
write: 2,43,26
